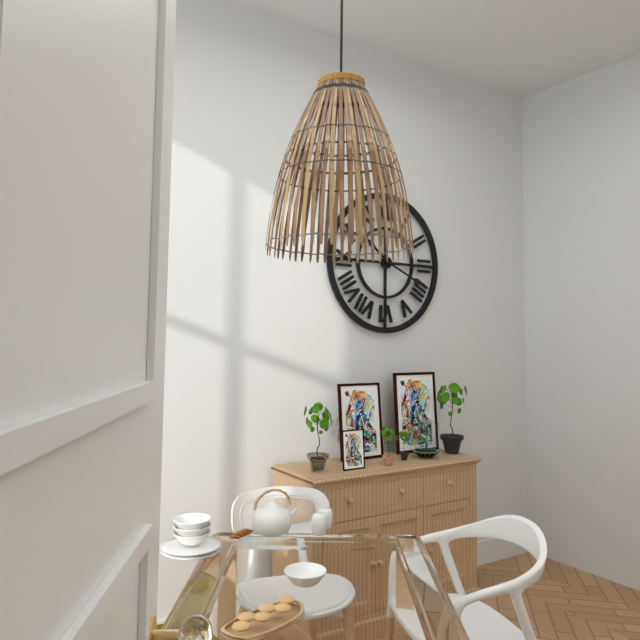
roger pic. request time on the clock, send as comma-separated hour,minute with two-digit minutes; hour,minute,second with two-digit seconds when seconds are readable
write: 10,19
